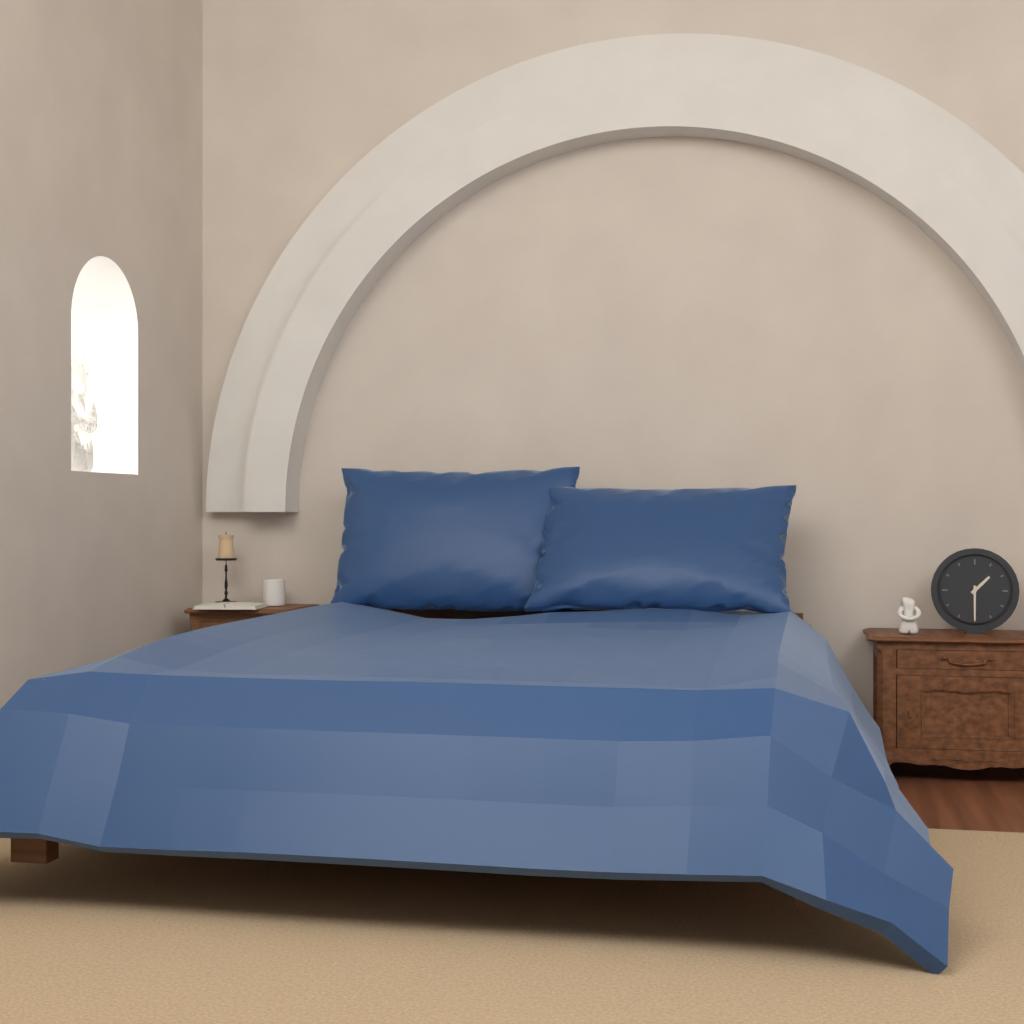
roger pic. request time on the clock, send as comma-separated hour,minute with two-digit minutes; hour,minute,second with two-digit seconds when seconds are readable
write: 1,30
